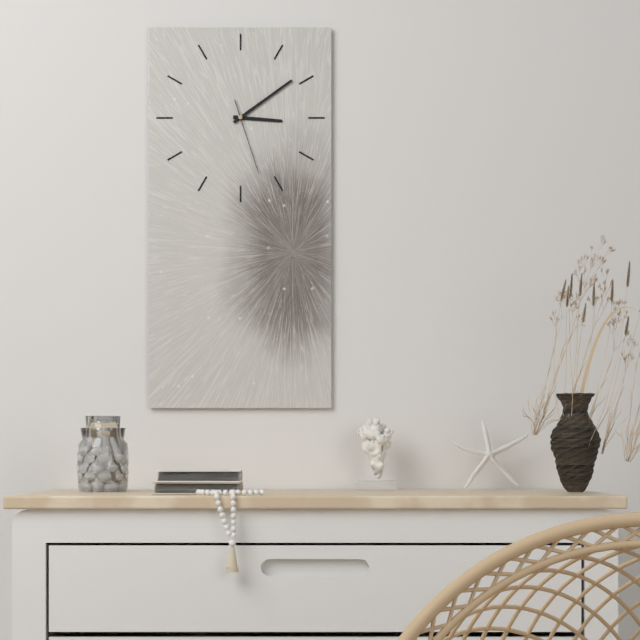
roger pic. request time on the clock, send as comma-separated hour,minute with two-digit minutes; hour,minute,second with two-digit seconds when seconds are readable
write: 3,09,27
